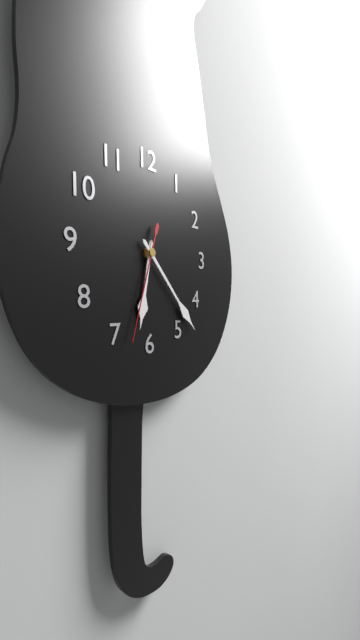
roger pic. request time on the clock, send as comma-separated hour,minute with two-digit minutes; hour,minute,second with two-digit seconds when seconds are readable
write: 6,23,33
